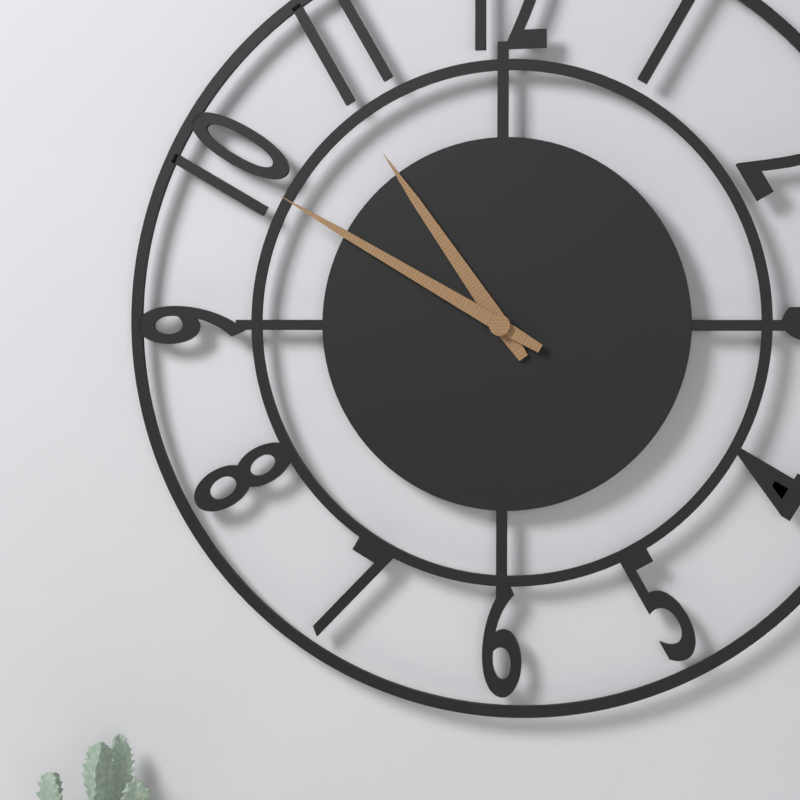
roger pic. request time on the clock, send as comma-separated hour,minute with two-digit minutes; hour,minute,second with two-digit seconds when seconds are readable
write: 10,50
